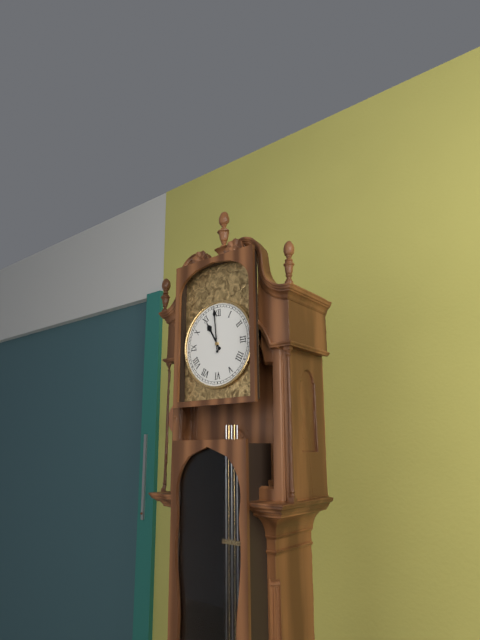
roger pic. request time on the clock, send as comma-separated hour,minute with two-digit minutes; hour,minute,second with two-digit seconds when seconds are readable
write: 10,59
